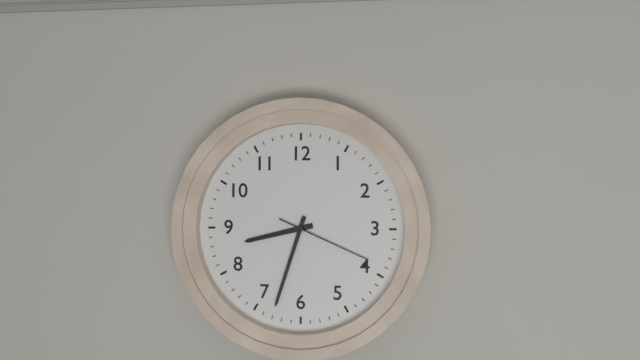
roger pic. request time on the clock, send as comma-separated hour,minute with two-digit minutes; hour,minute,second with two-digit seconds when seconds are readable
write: 8,33,19
